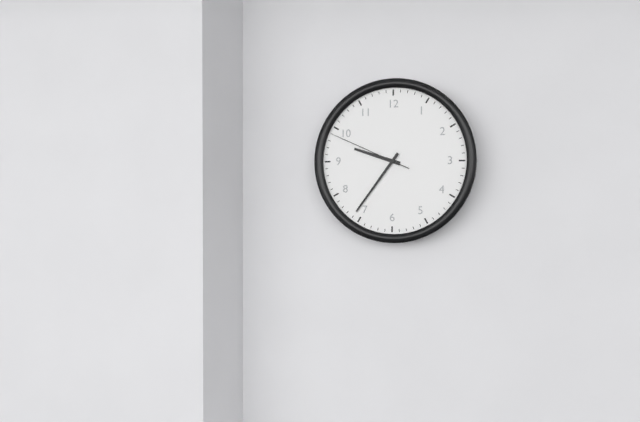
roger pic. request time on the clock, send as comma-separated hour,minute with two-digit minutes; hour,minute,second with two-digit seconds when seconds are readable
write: 9,36,49
